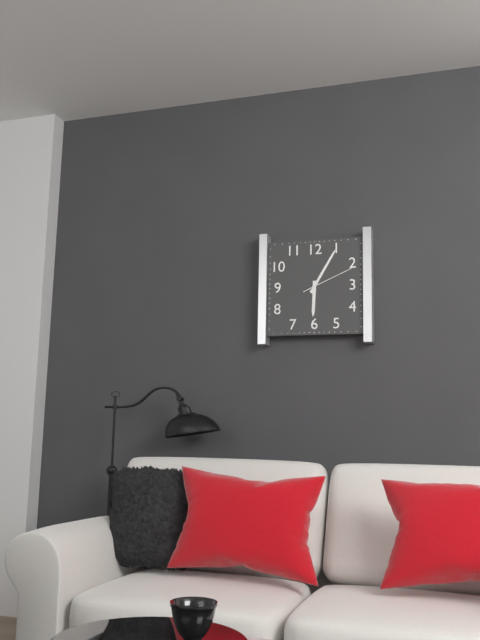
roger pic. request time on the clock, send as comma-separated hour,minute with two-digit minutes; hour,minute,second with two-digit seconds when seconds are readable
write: 6,05,11
